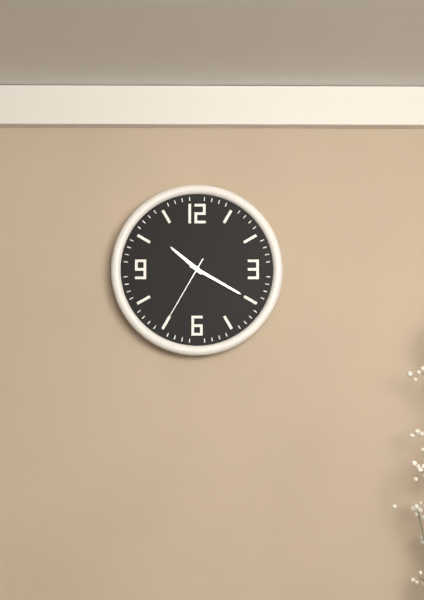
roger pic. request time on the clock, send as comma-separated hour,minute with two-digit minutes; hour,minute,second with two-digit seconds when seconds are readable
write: 10,20,35
